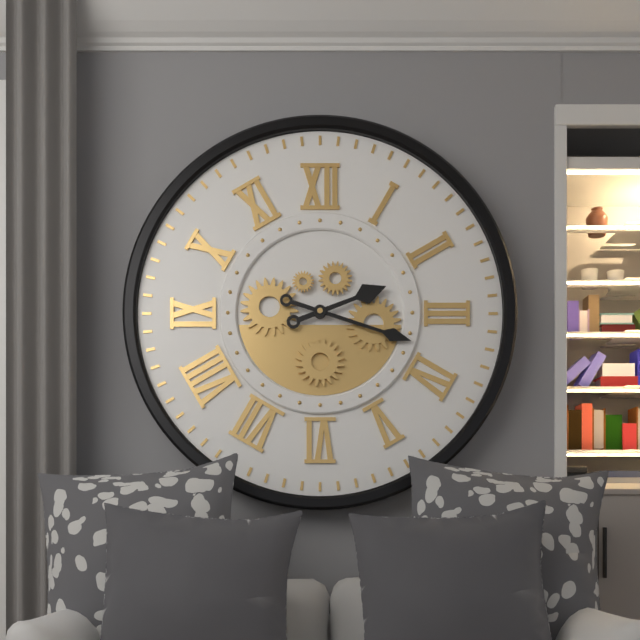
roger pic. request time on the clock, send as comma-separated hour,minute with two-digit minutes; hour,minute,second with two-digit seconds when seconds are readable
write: 2,18
